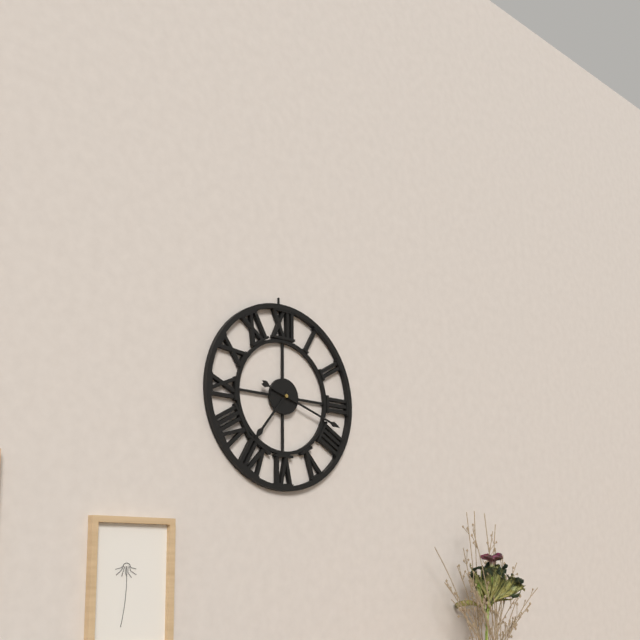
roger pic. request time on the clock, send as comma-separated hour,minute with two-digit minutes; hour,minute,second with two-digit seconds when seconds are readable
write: 7,18
